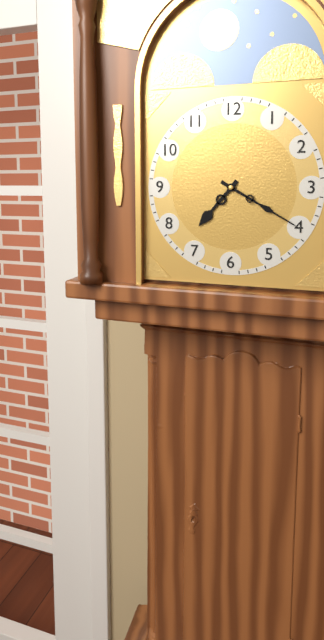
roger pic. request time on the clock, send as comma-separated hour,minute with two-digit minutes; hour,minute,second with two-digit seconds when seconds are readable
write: 7,20
